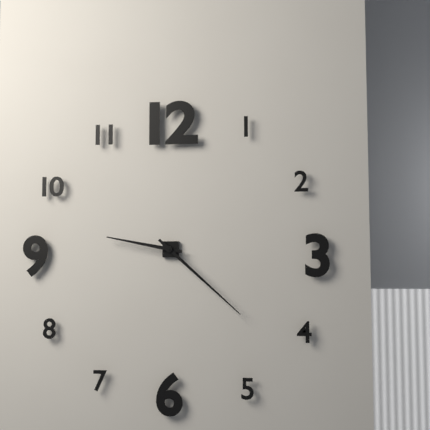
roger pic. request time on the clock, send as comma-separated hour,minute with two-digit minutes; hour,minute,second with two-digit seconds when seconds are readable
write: 9,22
